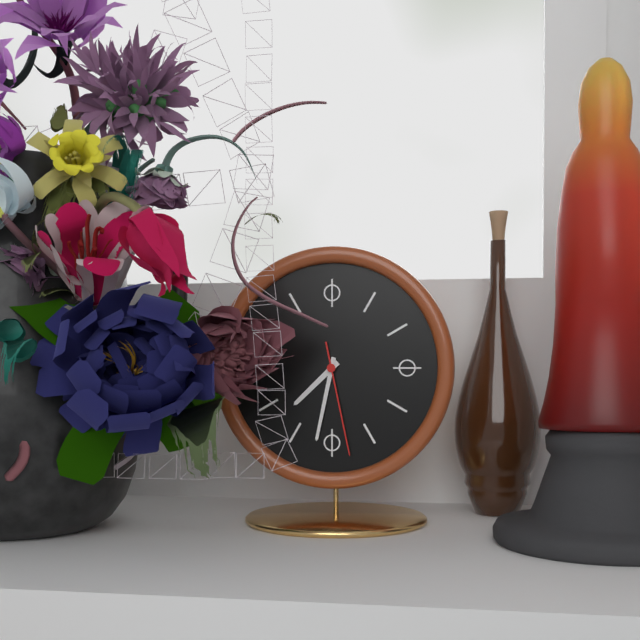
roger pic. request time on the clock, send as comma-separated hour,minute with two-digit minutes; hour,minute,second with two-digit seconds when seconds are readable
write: 7,32,28
